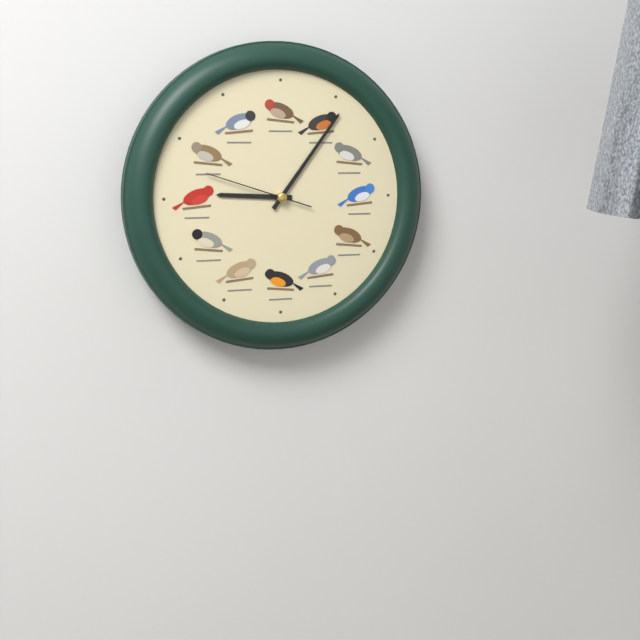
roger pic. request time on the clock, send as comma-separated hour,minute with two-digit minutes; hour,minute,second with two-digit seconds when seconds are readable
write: 9,06,48
